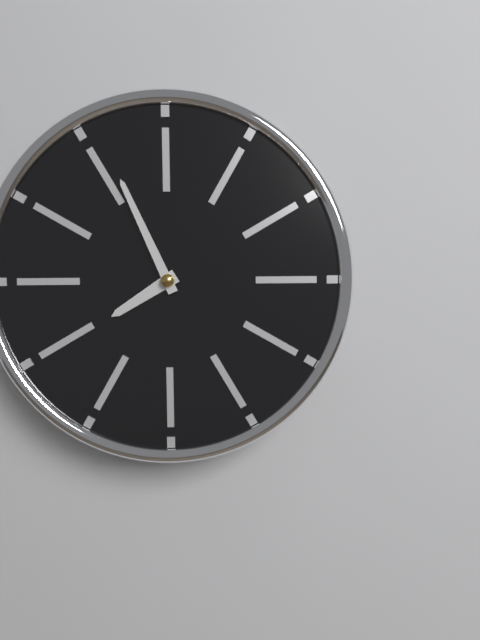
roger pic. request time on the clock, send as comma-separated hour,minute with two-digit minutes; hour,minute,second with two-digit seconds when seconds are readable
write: 7,56
